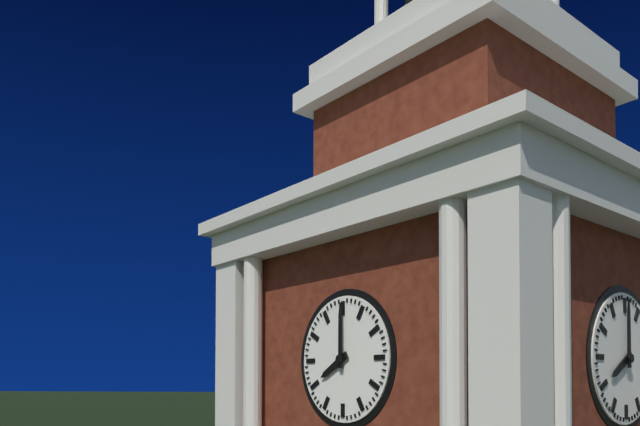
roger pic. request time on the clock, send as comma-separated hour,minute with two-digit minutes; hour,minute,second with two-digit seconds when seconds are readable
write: 8,00
